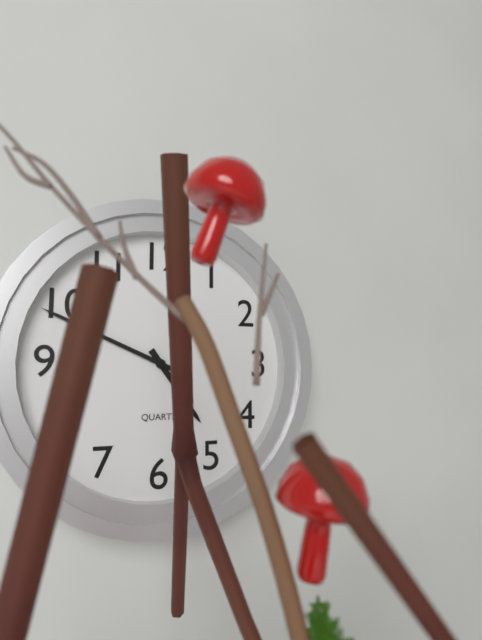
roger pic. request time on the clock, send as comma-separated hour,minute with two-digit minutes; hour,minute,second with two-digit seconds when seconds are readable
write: 4,49
